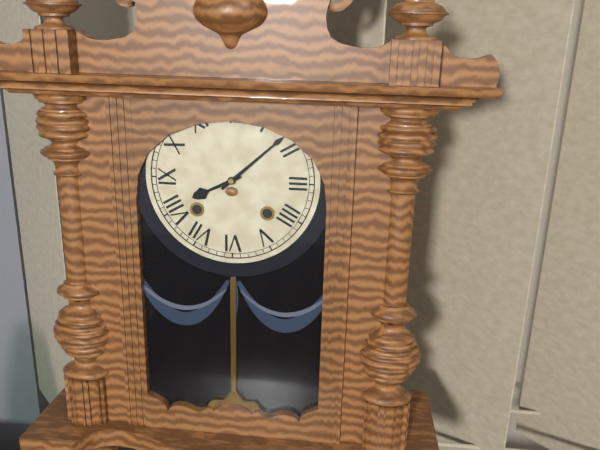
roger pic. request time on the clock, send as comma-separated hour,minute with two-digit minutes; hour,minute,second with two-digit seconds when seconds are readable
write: 8,08
